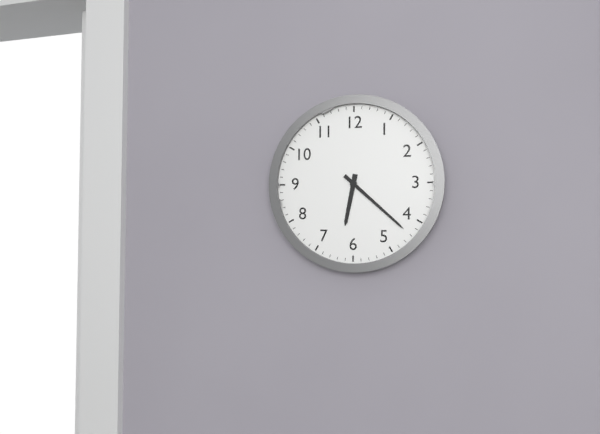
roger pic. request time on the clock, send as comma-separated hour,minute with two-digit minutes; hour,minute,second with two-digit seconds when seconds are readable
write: 6,22
